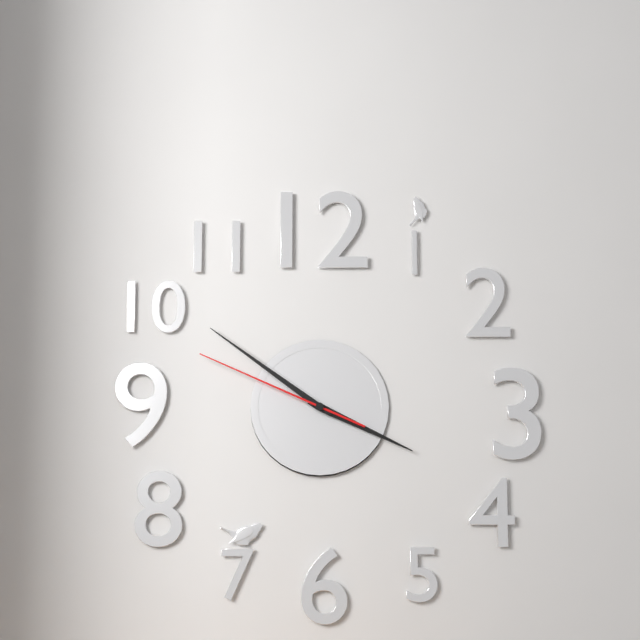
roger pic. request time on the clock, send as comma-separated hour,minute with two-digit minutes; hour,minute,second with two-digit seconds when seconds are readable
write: 3,51,49
